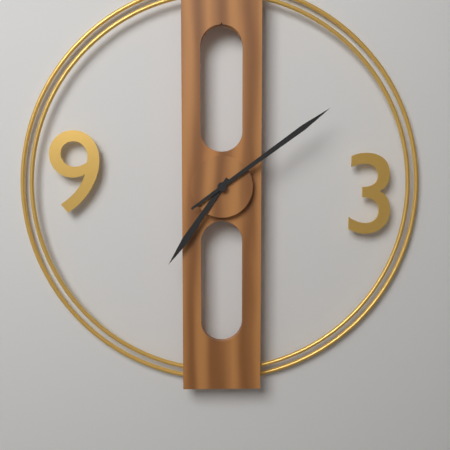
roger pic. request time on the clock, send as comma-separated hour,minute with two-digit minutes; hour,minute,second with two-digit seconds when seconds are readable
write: 7,09
